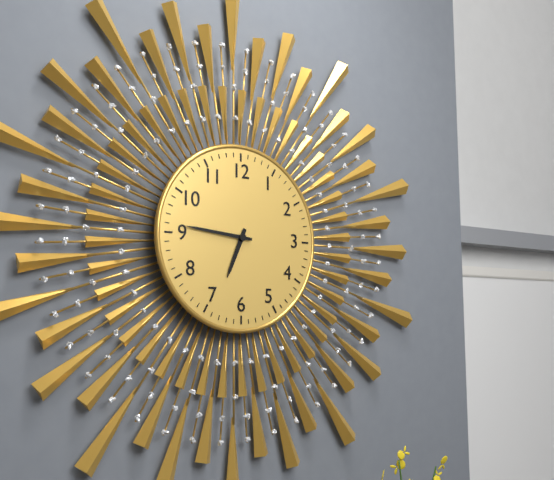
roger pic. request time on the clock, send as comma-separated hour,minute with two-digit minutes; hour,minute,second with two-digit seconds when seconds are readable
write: 6,46
